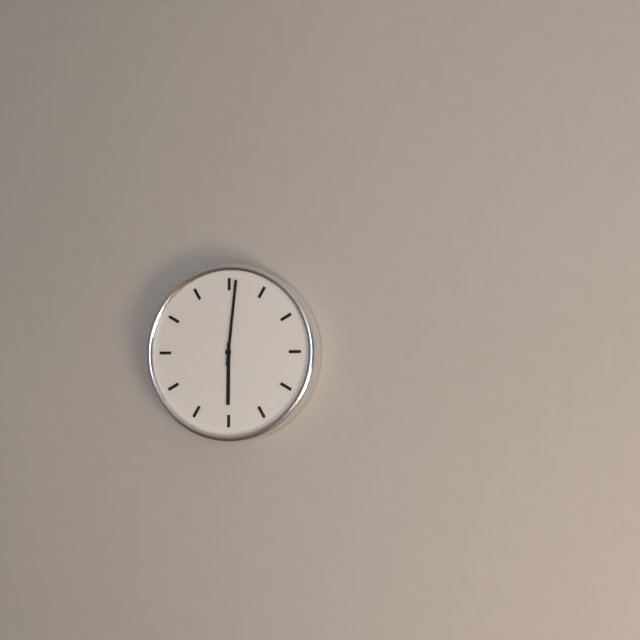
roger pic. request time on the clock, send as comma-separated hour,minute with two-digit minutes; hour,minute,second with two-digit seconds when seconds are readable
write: 6,01
